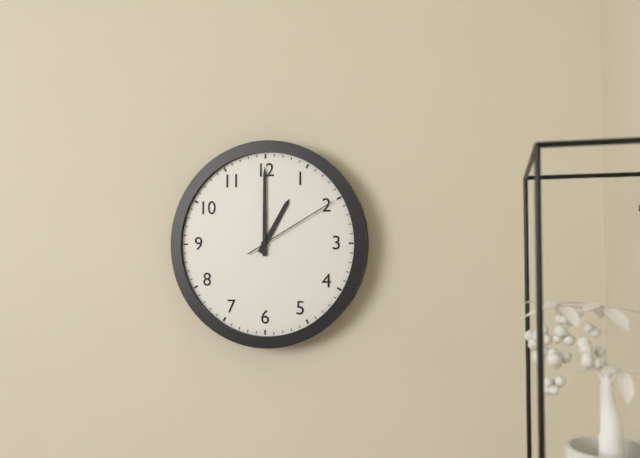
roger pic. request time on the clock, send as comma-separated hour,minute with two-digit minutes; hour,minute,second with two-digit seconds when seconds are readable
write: 1,00,10
